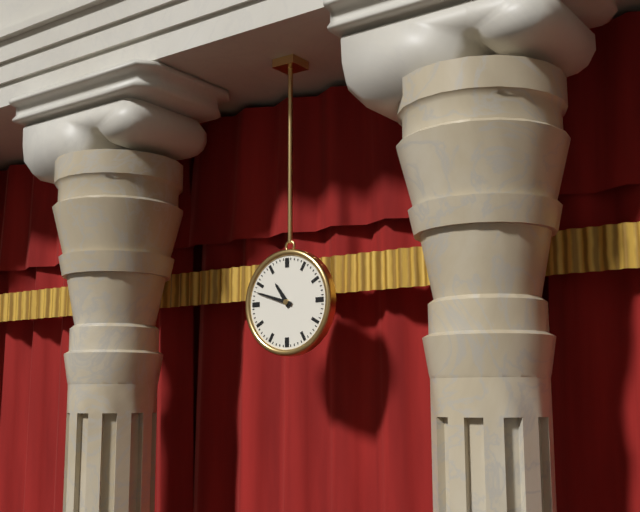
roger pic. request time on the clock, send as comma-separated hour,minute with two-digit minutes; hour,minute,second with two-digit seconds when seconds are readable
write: 10,48
